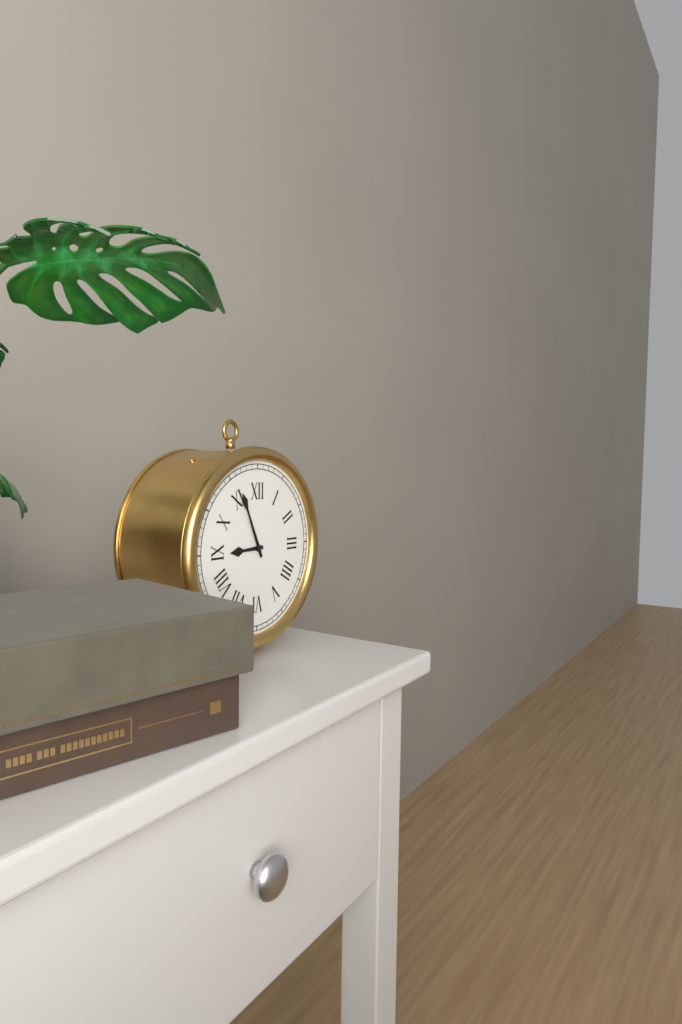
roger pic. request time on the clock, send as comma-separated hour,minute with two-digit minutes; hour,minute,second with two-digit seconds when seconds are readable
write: 8,56
